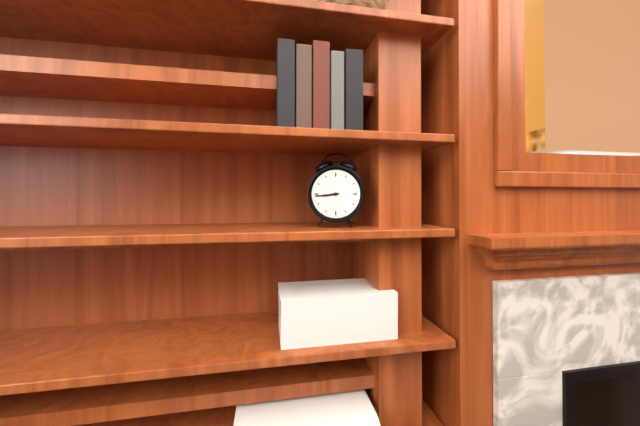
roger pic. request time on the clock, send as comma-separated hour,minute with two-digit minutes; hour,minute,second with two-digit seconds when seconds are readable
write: 8,44
